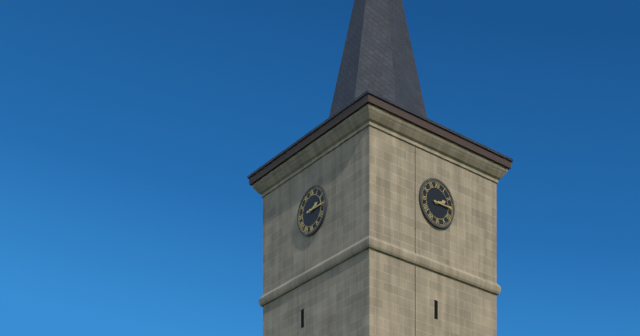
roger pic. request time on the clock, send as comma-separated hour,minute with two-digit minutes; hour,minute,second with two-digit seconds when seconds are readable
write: 2,15
